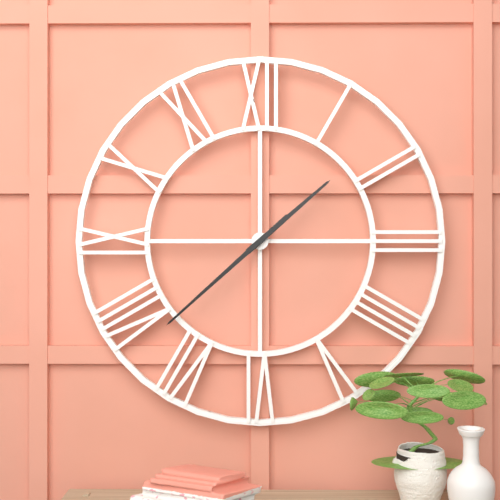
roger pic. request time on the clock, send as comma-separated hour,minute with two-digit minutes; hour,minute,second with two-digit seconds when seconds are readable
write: 1,38
